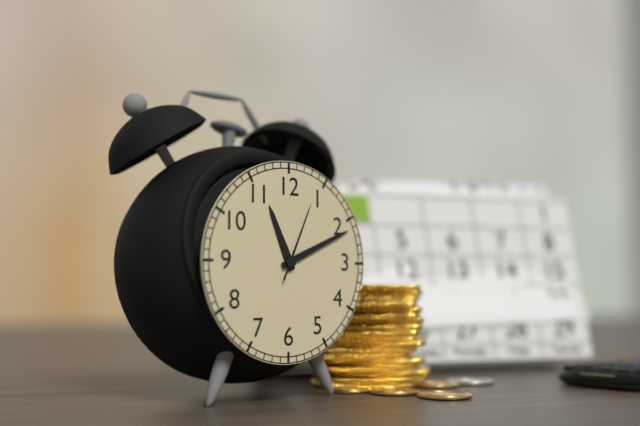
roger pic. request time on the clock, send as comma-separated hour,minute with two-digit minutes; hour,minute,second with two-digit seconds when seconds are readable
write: 11,11,04
